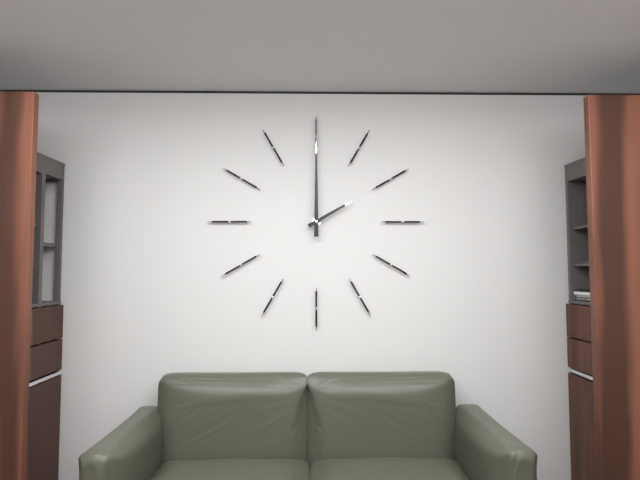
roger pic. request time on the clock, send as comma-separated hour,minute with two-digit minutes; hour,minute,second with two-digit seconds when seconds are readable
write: 2,00
